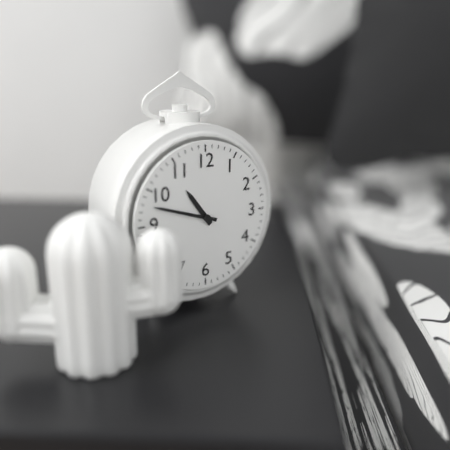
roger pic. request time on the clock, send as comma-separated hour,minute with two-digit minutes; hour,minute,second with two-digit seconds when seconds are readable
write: 10,48
